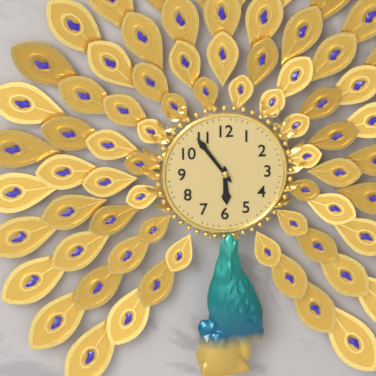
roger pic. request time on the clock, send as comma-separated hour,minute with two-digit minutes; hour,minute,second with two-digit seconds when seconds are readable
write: 5,54
